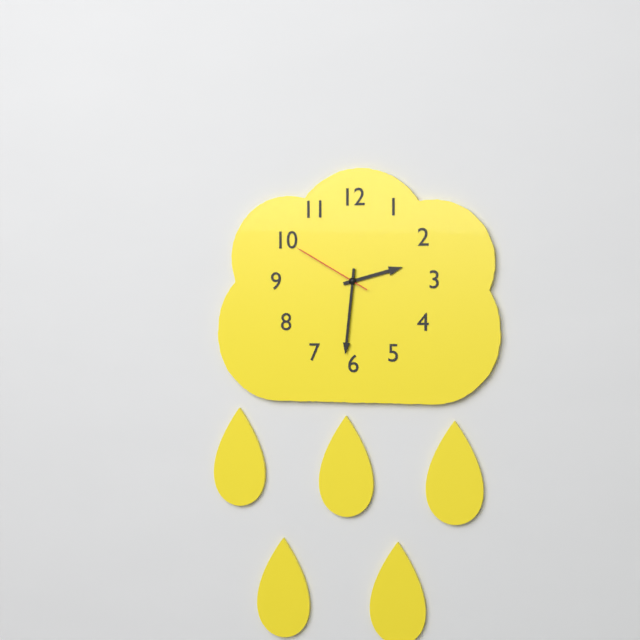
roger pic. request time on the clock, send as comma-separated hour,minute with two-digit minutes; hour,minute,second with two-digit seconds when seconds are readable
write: 2,31,50
